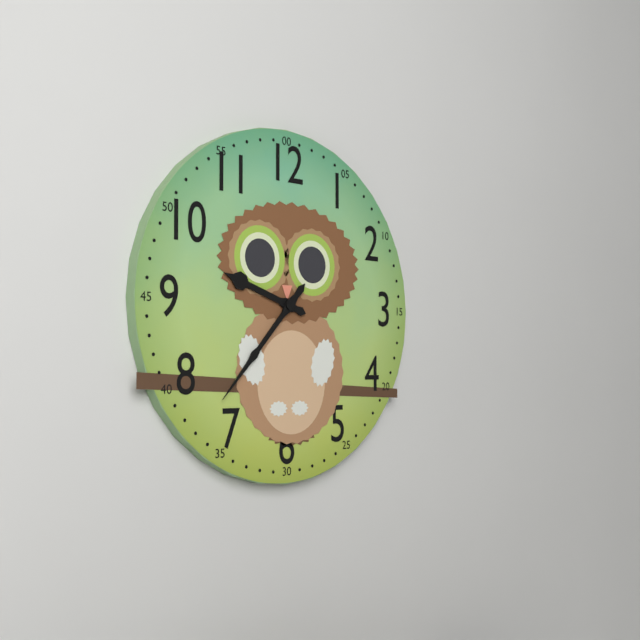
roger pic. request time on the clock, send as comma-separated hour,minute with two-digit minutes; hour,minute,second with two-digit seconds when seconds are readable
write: 9,37
